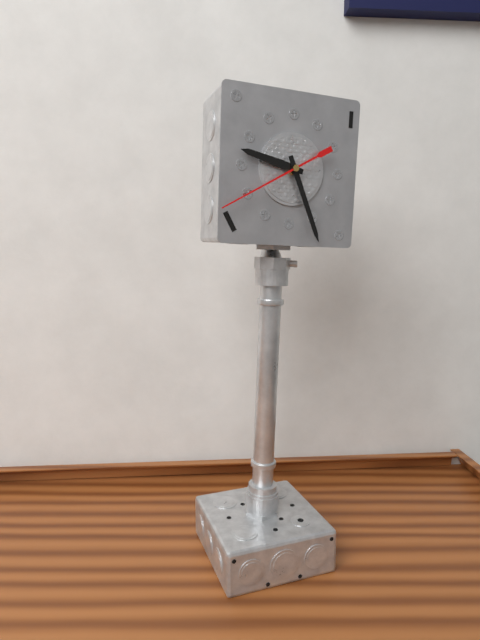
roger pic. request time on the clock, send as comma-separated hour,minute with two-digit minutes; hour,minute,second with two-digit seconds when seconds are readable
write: 9,26,40
